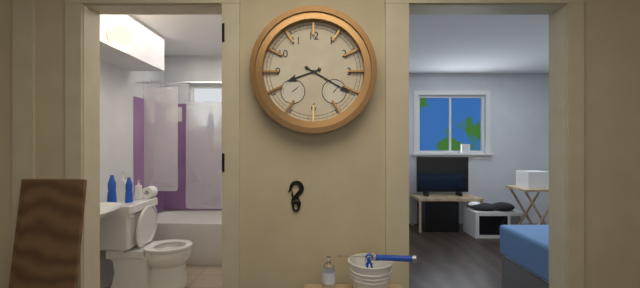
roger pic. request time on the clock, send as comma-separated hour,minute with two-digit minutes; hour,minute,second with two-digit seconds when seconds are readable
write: 8,20
